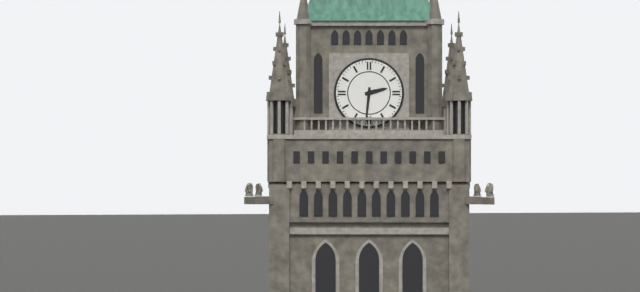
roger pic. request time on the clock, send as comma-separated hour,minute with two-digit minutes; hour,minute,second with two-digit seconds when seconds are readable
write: 2,31
